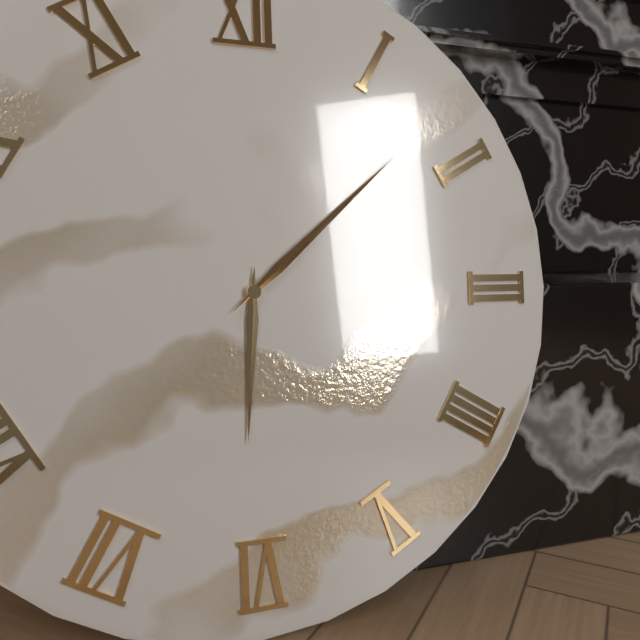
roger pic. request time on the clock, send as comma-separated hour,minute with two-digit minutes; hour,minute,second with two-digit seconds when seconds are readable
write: 6,08
